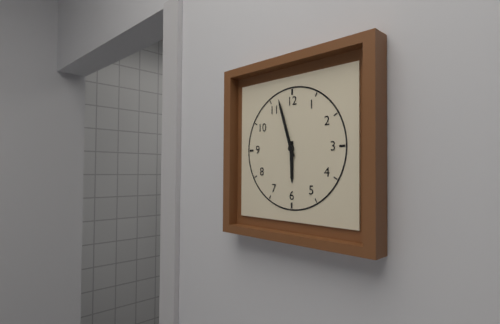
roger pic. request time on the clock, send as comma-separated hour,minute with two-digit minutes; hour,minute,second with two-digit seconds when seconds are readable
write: 5,57
